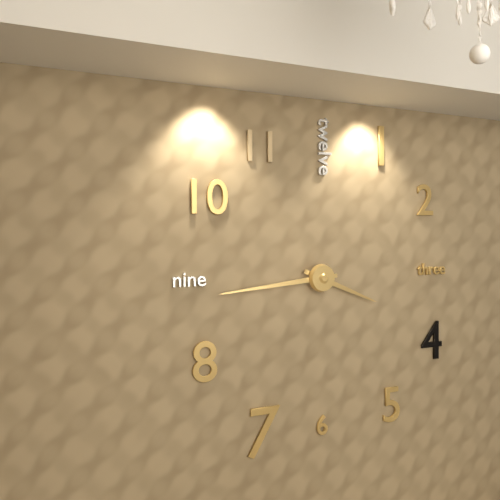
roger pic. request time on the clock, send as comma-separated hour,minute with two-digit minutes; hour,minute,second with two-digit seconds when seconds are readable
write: 3,44
